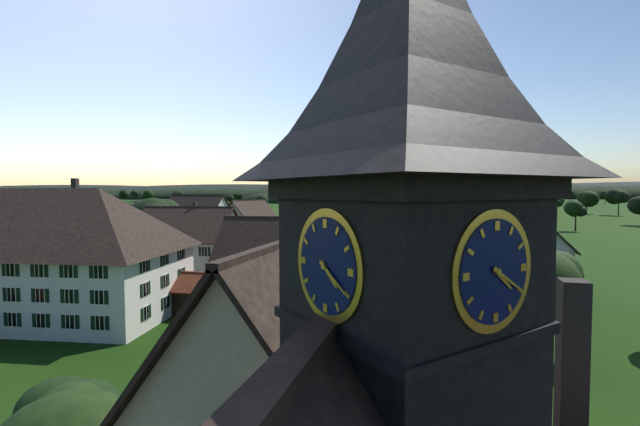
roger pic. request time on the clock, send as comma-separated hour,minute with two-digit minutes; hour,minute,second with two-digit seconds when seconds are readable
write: 4,20
